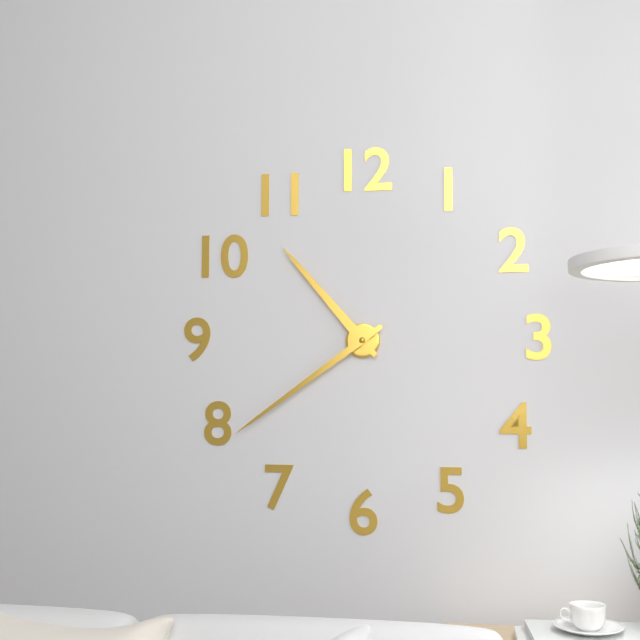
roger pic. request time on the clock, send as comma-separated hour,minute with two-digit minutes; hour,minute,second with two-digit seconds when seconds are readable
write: 10,39
